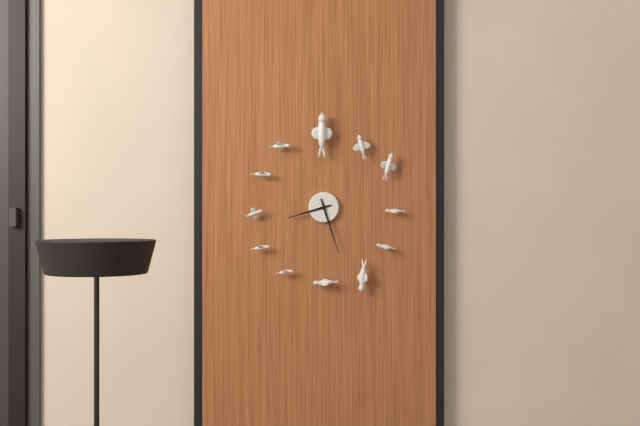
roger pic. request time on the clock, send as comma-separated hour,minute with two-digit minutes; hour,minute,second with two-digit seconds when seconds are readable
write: 8,27
